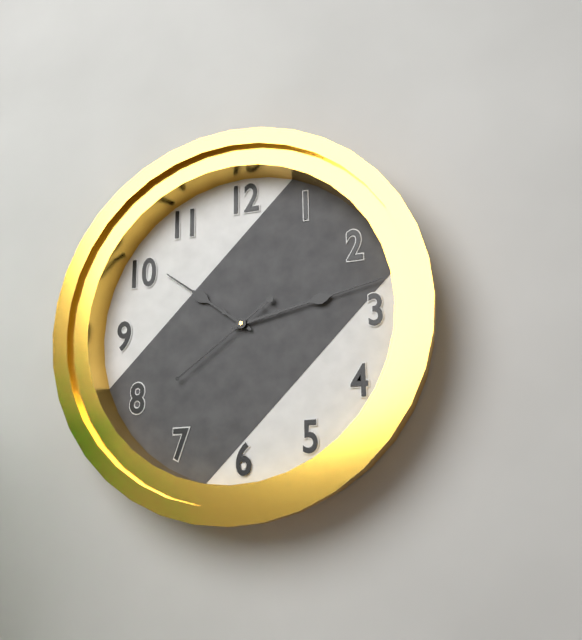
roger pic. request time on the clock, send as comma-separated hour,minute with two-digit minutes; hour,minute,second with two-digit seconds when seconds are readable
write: 10,13,39
